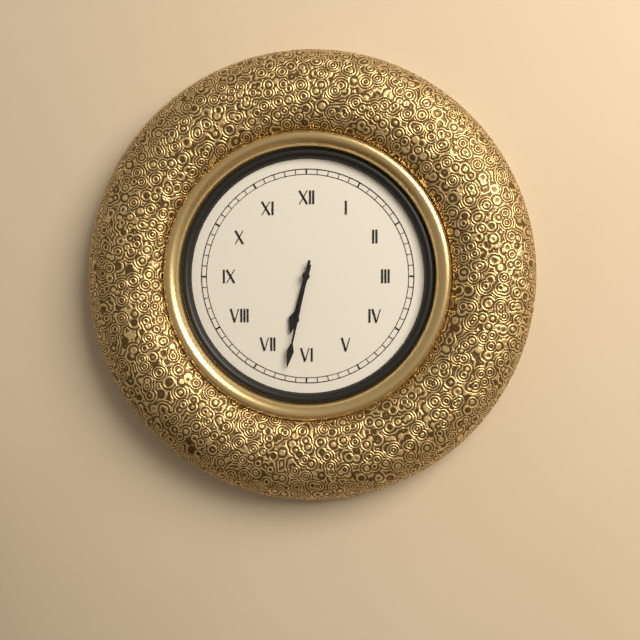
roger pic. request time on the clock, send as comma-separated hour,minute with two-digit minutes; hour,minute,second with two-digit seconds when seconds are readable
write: 6,32
